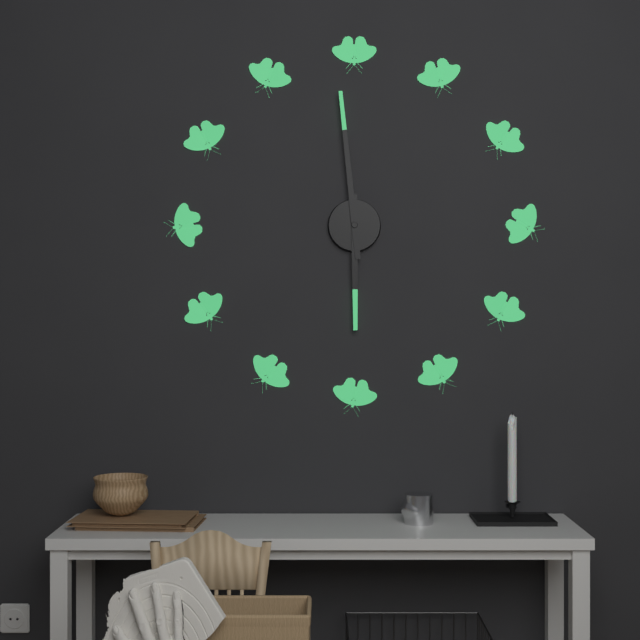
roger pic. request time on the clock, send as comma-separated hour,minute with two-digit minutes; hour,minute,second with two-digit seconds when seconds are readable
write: 5,59
